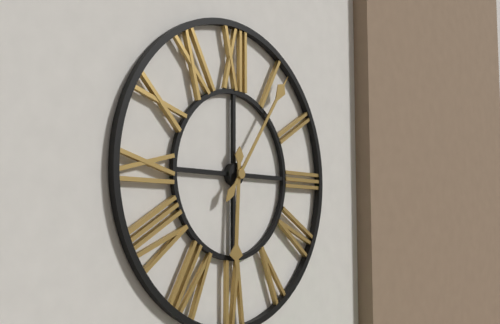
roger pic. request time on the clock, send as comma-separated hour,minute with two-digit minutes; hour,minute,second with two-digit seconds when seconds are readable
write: 6,06
